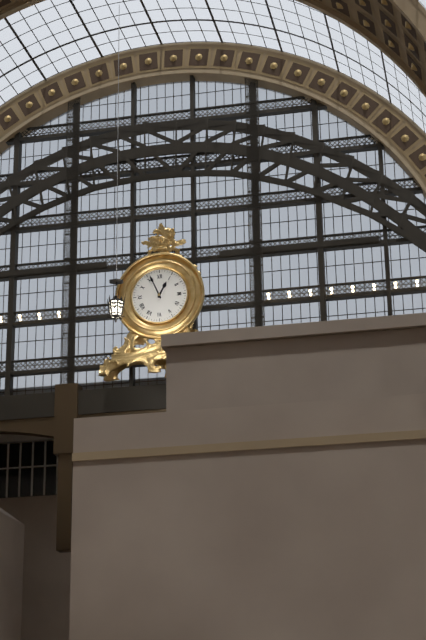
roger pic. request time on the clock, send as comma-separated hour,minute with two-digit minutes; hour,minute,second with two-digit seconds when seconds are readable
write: 12,56
